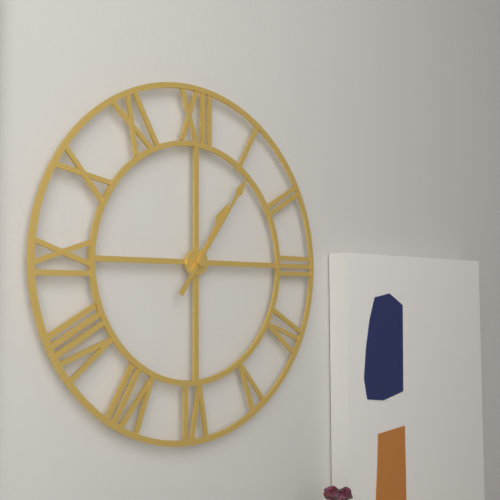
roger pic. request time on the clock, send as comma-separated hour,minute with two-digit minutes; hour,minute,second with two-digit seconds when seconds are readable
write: 1,06
